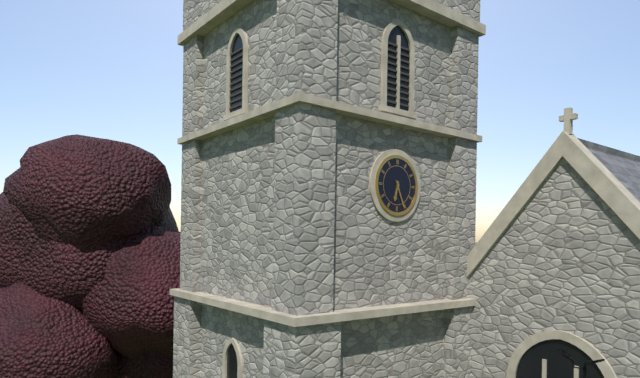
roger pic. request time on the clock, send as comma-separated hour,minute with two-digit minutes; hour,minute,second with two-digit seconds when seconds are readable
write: 6,26
